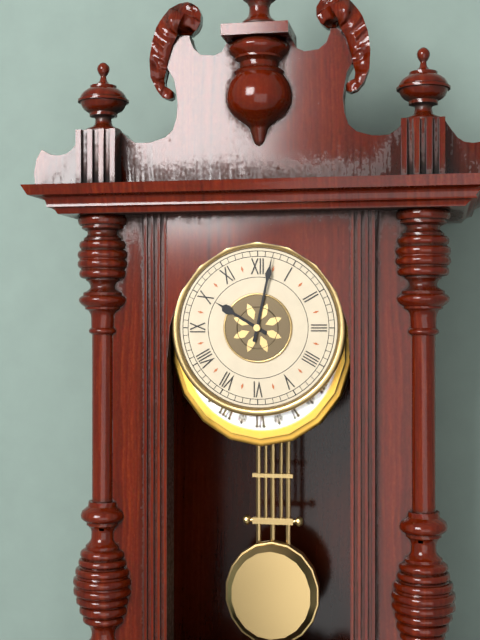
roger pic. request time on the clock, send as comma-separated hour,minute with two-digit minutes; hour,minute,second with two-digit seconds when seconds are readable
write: 10,02
